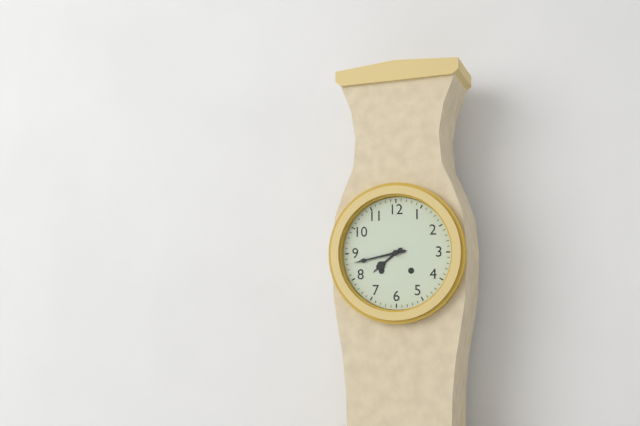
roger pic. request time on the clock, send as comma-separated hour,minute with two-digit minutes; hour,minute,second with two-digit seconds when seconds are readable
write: 7,43
